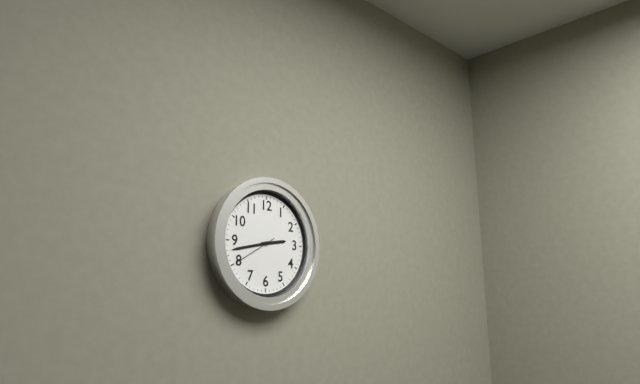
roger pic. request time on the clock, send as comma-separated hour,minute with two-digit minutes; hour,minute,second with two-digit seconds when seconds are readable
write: 2,43
